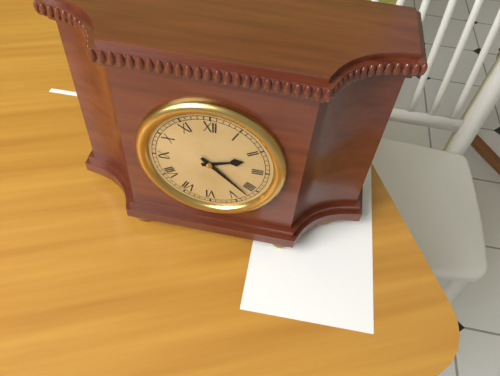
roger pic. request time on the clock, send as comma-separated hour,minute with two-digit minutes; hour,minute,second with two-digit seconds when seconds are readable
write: 2,22
